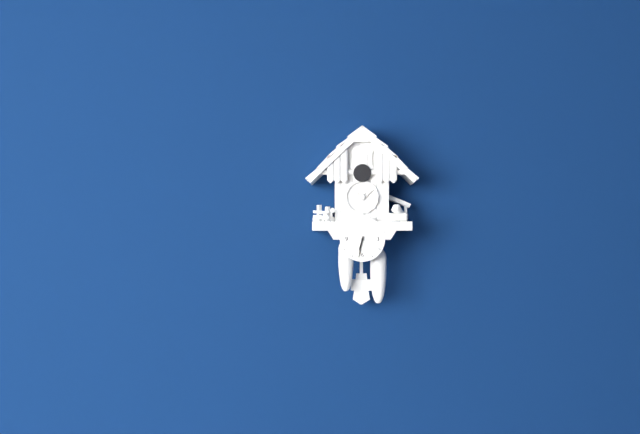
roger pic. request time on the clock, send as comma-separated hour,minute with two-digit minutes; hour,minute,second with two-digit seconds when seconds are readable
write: 6,32
